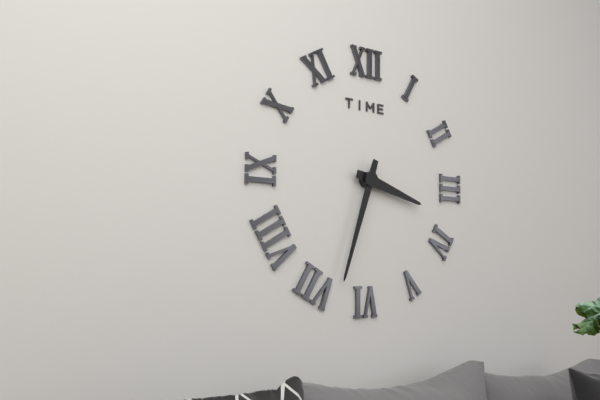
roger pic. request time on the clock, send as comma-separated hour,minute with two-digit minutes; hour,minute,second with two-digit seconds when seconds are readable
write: 3,33
